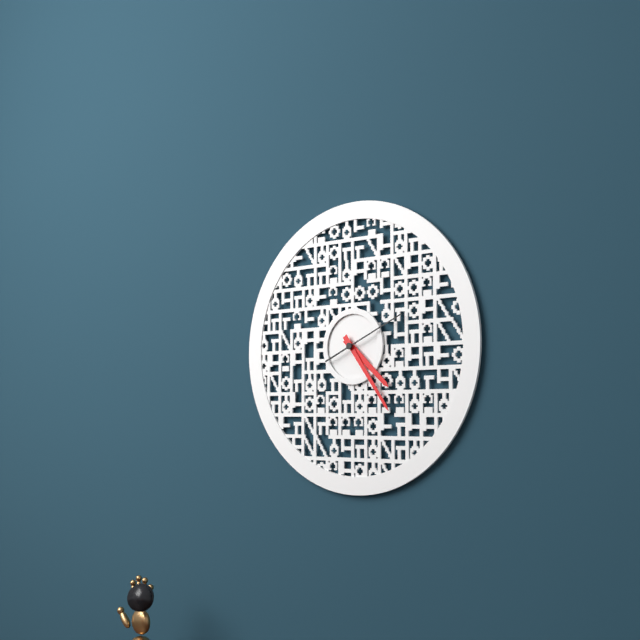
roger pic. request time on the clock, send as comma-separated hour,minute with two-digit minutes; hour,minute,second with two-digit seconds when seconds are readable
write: 4,24,11
